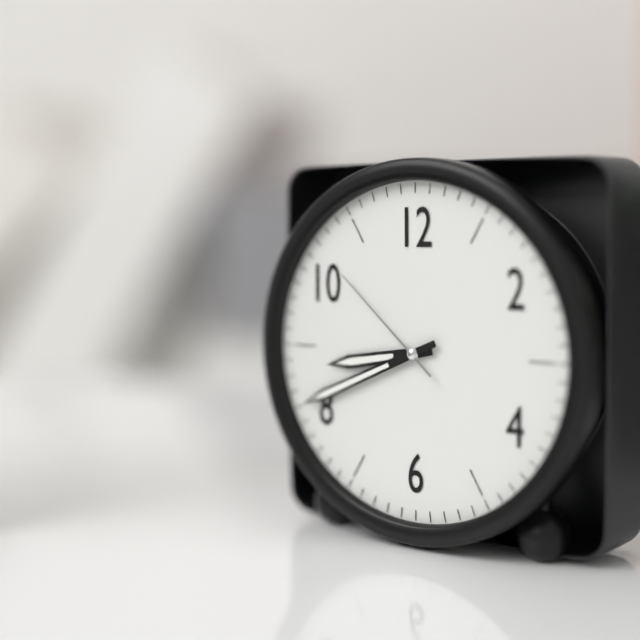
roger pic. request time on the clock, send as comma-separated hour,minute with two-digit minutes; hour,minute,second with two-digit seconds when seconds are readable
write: 8,41,52
